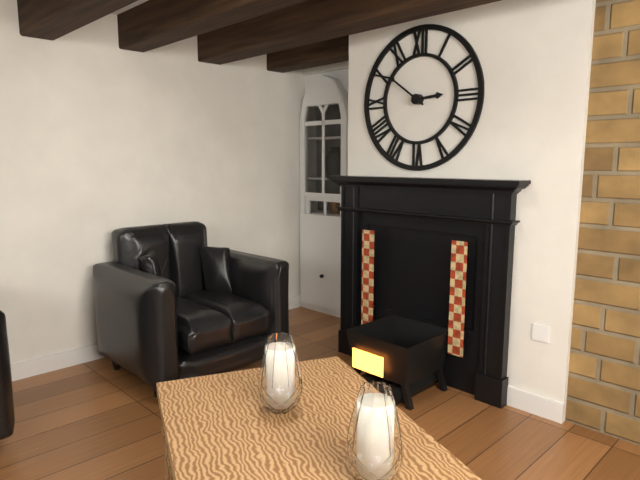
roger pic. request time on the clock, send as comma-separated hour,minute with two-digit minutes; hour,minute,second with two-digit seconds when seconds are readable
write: 2,51
